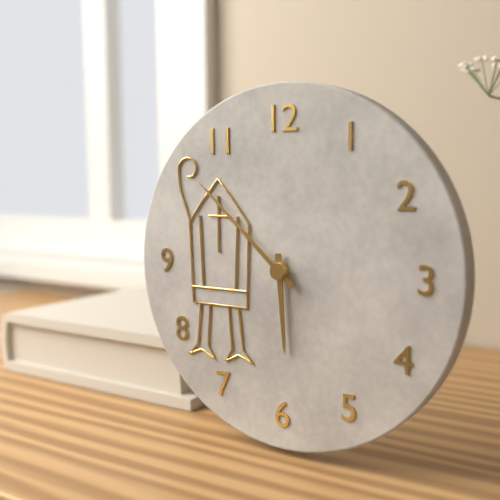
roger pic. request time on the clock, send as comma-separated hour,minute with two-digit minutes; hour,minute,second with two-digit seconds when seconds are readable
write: 5,52
